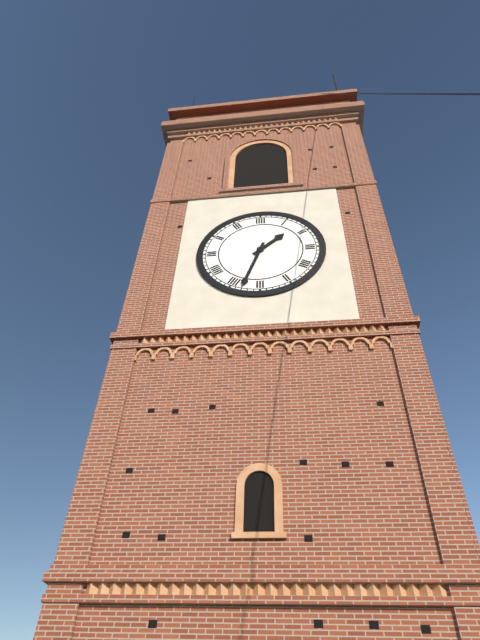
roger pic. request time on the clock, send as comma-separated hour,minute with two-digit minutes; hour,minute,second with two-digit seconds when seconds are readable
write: 1,33
